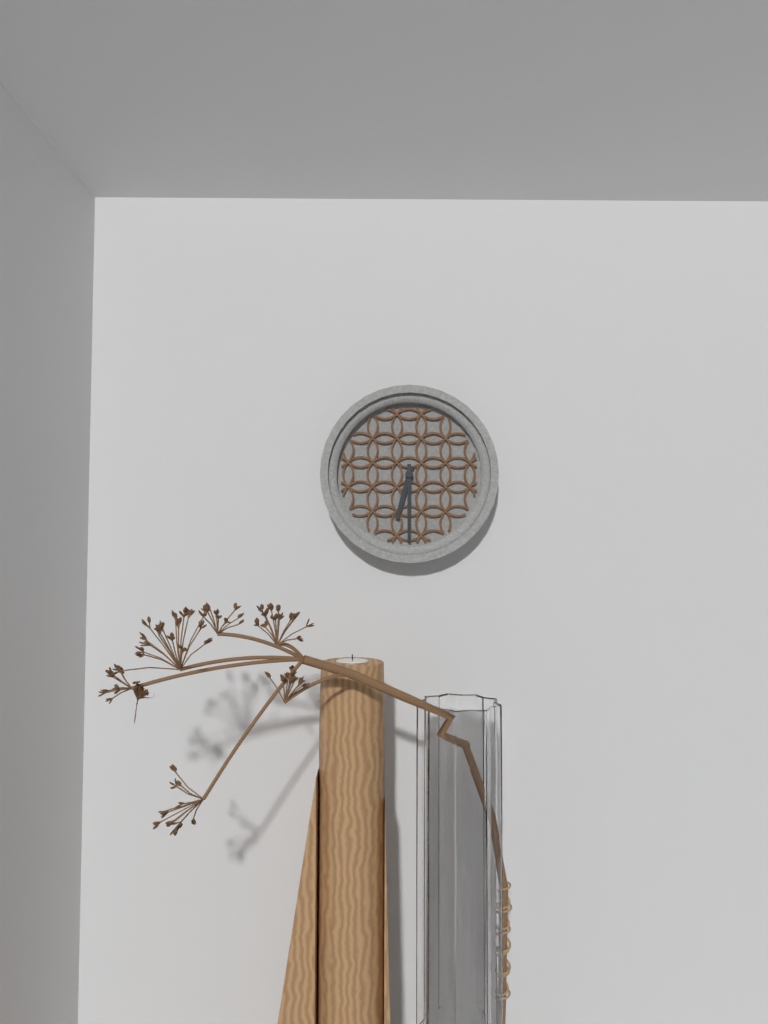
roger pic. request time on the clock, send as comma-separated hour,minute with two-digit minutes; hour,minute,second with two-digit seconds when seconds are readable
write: 6,30
